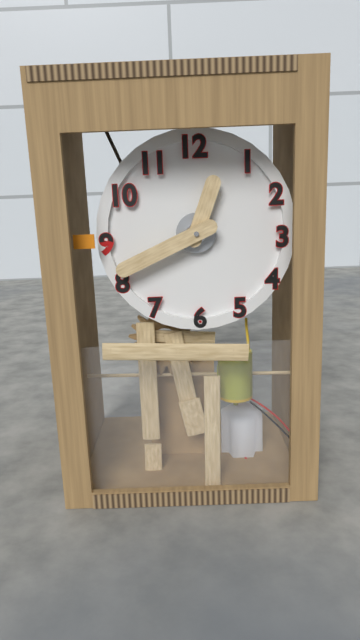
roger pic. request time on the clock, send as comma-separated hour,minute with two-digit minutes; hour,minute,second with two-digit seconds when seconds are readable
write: 12,41
